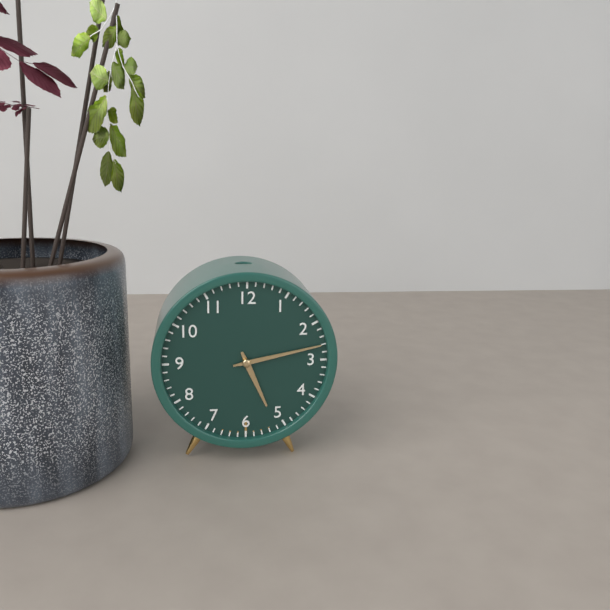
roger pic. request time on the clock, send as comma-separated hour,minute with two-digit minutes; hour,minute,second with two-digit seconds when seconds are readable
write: 5,13
